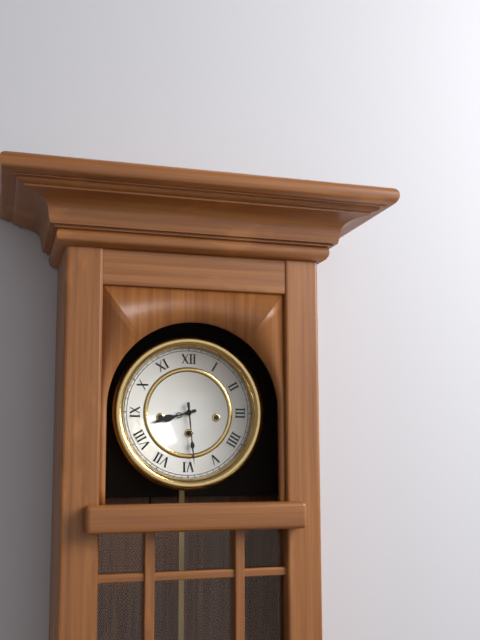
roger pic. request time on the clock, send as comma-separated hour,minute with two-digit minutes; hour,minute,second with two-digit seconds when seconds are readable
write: 8,29
